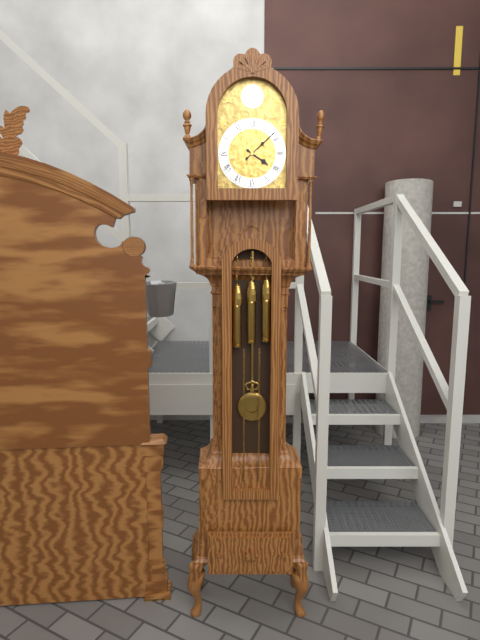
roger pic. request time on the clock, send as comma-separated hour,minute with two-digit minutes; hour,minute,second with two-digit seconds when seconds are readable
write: 4,08
